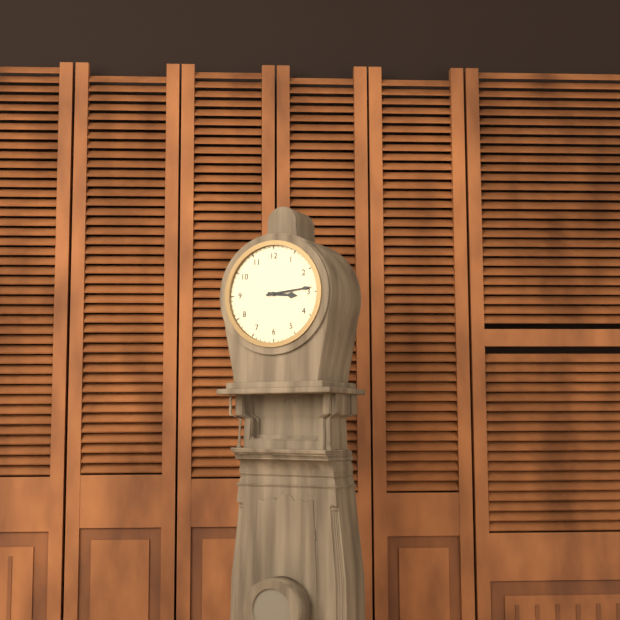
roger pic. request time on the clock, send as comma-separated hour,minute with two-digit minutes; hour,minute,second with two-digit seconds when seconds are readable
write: 3,14
